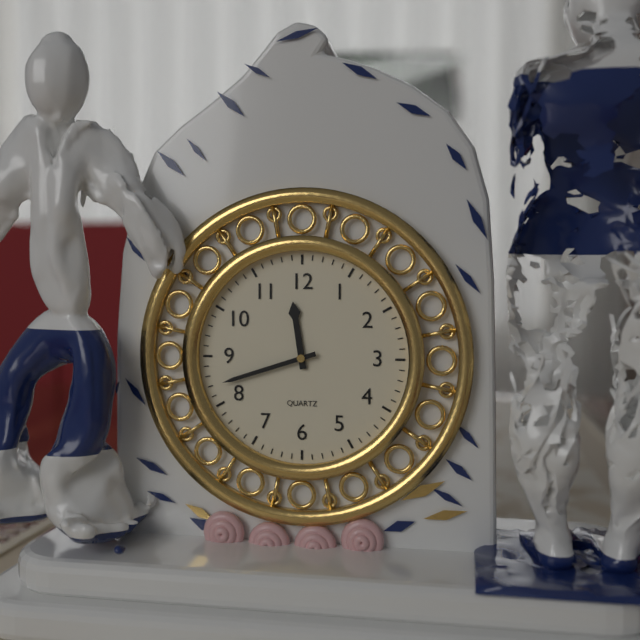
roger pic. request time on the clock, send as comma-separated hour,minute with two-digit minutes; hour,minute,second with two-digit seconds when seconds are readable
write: 11,42
